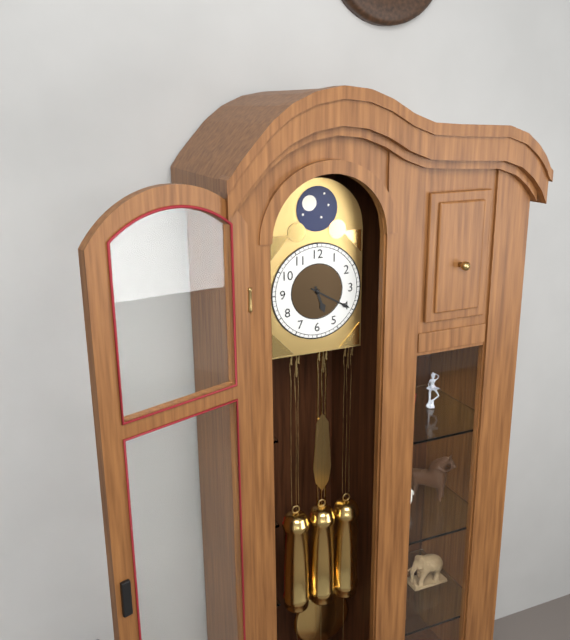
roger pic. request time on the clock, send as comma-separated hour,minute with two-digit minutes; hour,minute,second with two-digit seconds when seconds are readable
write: 5,20
